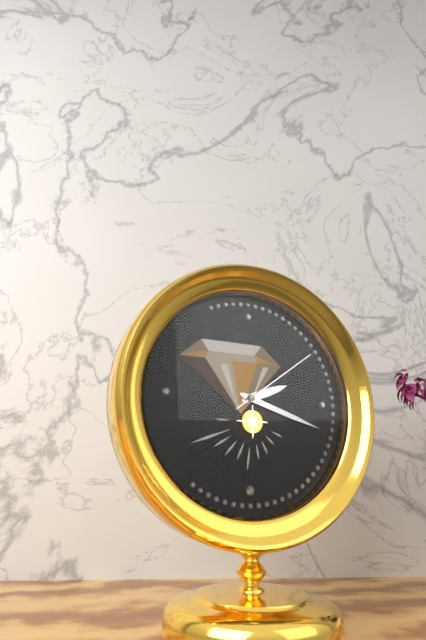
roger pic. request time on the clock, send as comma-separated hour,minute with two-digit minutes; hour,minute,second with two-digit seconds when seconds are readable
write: 2,18,09
